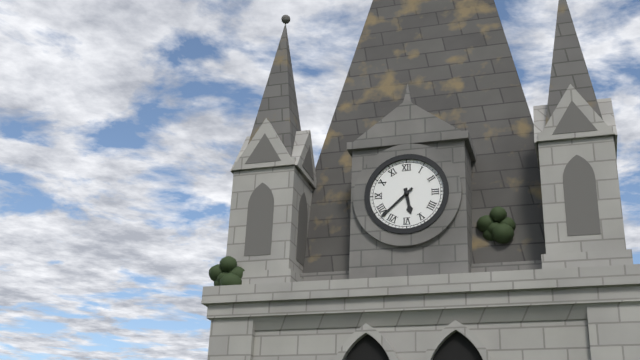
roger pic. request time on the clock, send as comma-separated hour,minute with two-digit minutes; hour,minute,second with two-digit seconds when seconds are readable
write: 5,38
